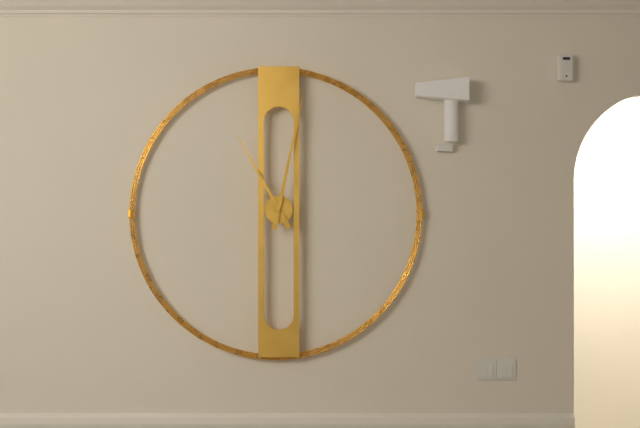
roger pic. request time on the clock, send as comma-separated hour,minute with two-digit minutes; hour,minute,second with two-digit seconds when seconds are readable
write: 11,02
